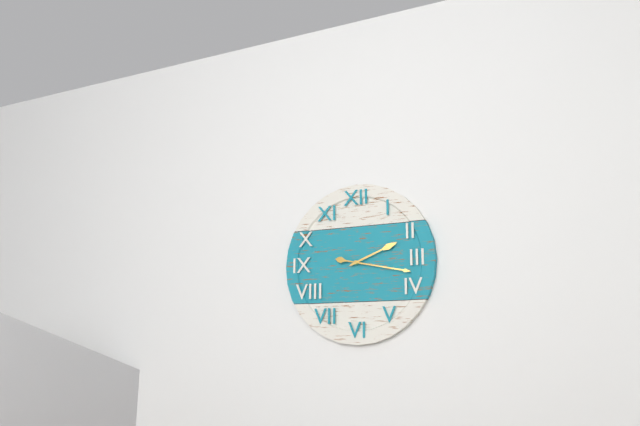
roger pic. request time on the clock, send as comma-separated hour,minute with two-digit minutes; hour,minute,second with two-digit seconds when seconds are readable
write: 2,17
